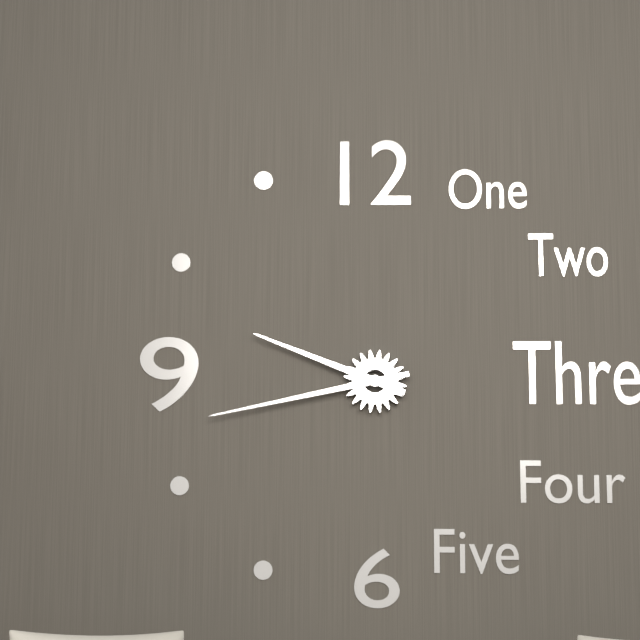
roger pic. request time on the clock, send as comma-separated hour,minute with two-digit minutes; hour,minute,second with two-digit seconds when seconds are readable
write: 9,43
